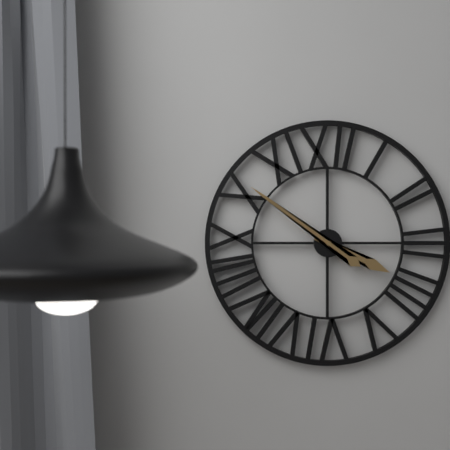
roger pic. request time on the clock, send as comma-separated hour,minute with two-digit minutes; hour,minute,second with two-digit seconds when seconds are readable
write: 3,51
